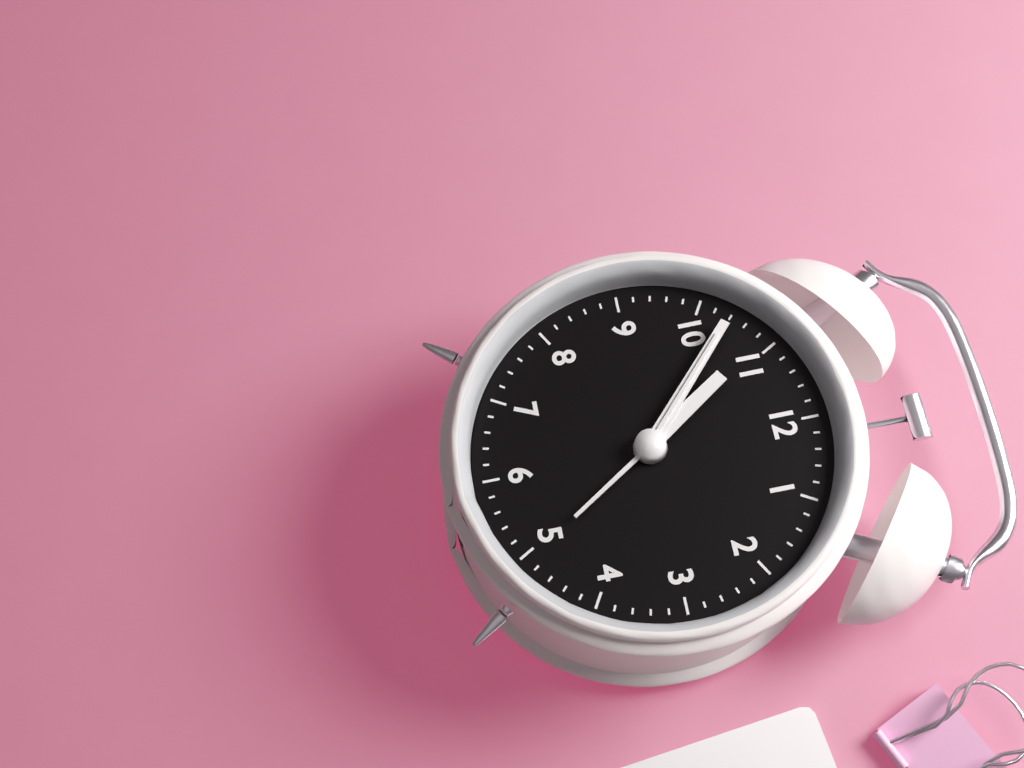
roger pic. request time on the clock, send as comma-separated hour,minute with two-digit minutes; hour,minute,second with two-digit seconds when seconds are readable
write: 10,52,52
